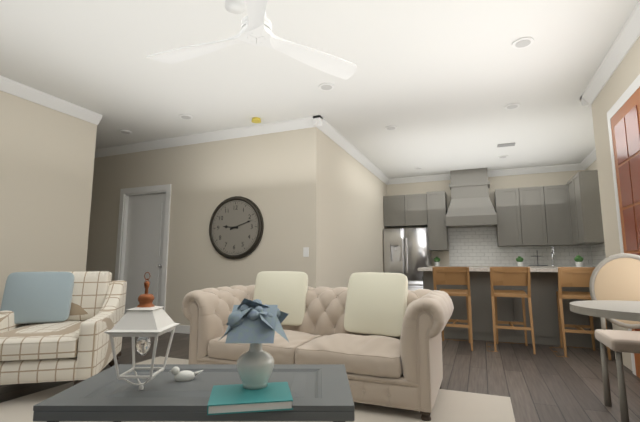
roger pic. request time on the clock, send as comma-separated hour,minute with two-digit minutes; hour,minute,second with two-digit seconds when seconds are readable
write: 9,12
